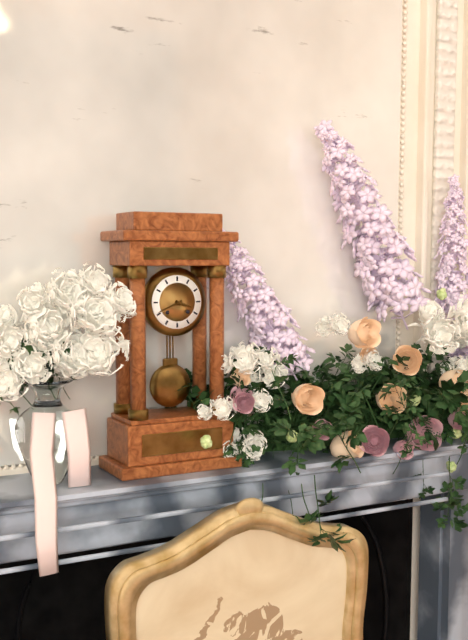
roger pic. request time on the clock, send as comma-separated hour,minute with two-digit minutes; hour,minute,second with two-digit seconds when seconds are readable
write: 3,41
